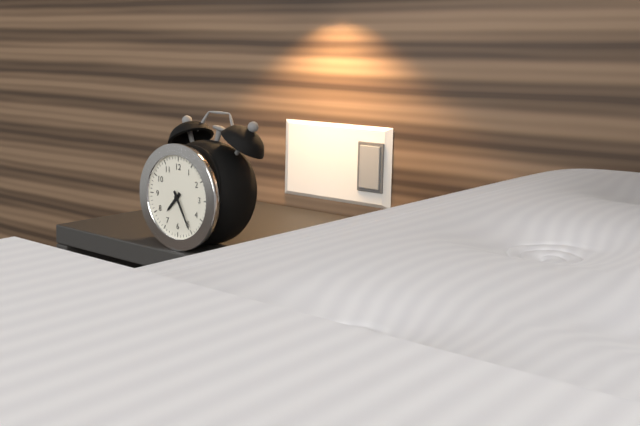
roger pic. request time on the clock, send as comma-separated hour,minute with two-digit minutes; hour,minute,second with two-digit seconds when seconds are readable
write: 7,25
